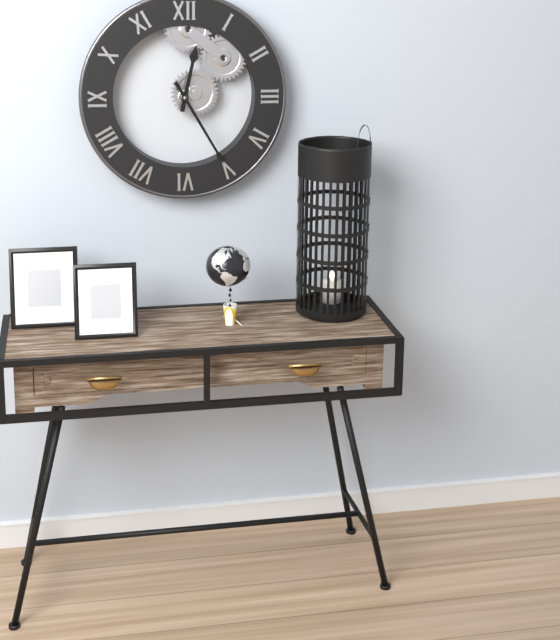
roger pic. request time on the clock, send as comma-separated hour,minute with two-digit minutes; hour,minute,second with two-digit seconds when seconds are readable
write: 12,25
